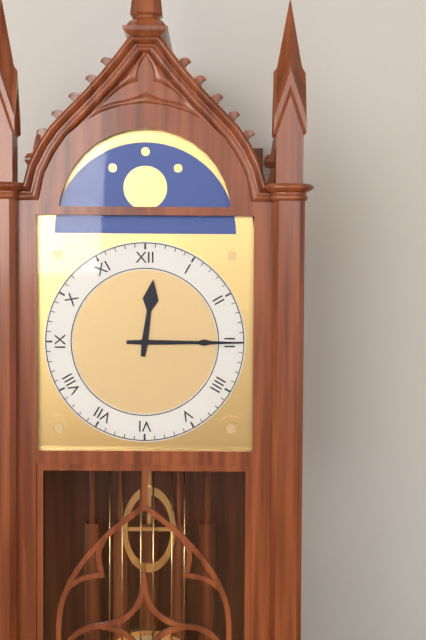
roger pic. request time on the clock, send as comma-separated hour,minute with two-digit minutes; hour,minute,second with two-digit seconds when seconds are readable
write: 12,15
